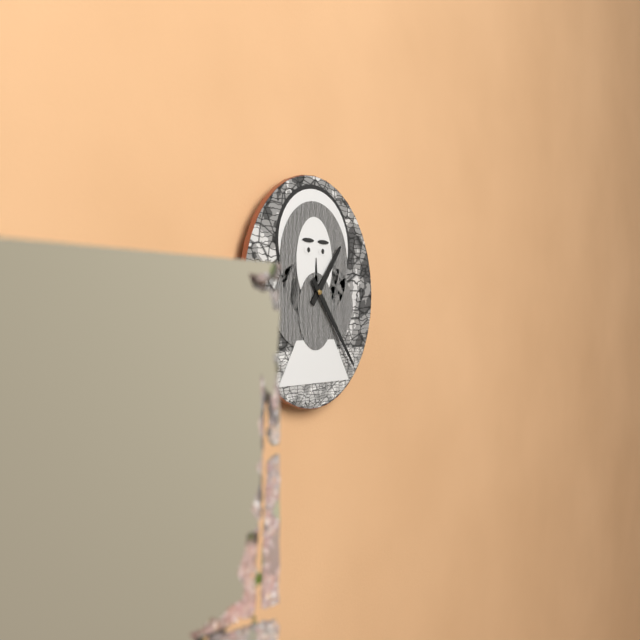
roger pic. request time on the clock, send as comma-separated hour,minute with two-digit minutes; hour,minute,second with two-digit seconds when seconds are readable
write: 1,23
